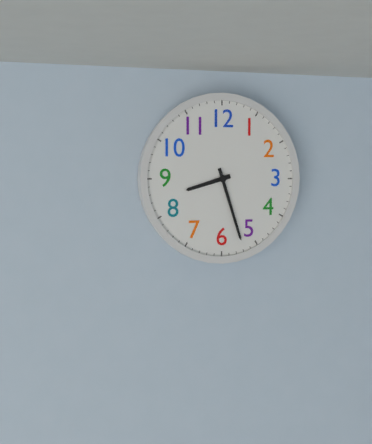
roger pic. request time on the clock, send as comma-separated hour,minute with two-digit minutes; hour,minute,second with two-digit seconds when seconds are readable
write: 8,27
